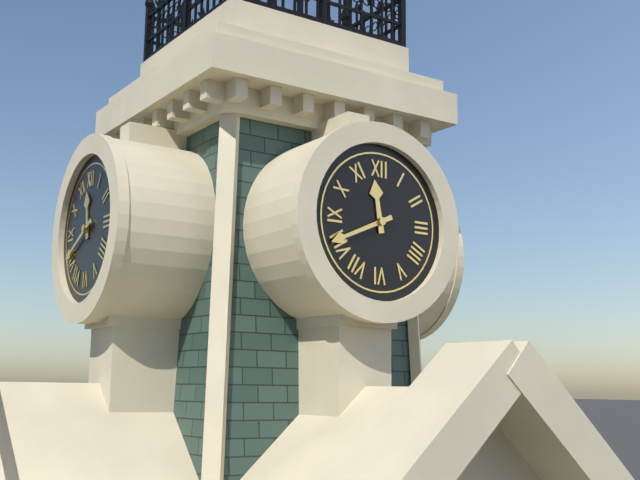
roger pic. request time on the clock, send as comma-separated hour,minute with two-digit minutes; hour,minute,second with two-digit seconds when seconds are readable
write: 11,41
